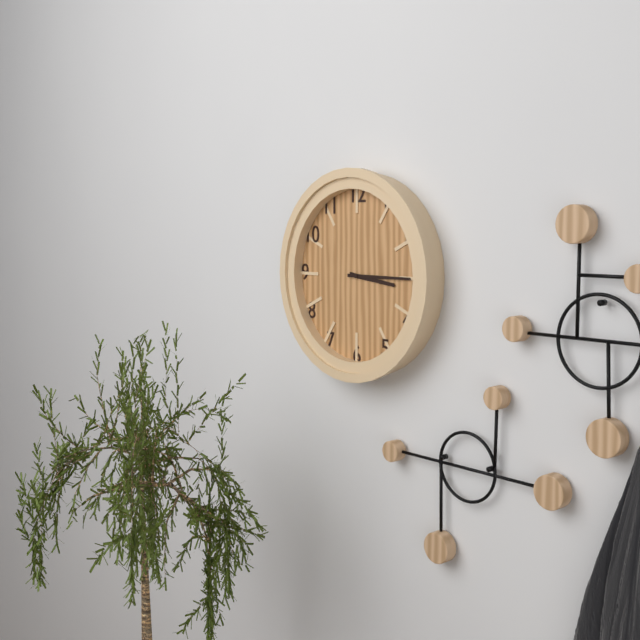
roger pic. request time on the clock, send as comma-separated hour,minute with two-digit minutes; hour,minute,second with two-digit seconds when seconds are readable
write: 3,15
